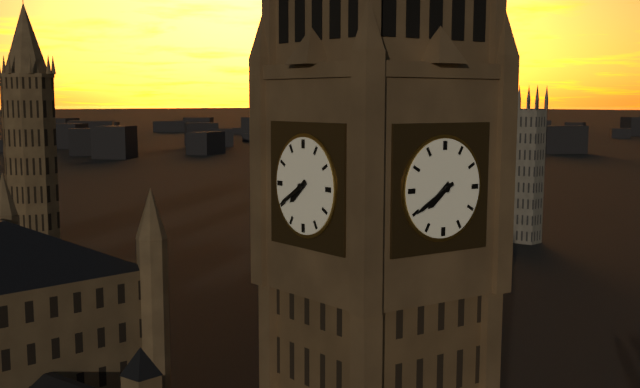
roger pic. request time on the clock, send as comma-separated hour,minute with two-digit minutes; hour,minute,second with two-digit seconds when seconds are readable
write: 7,40
